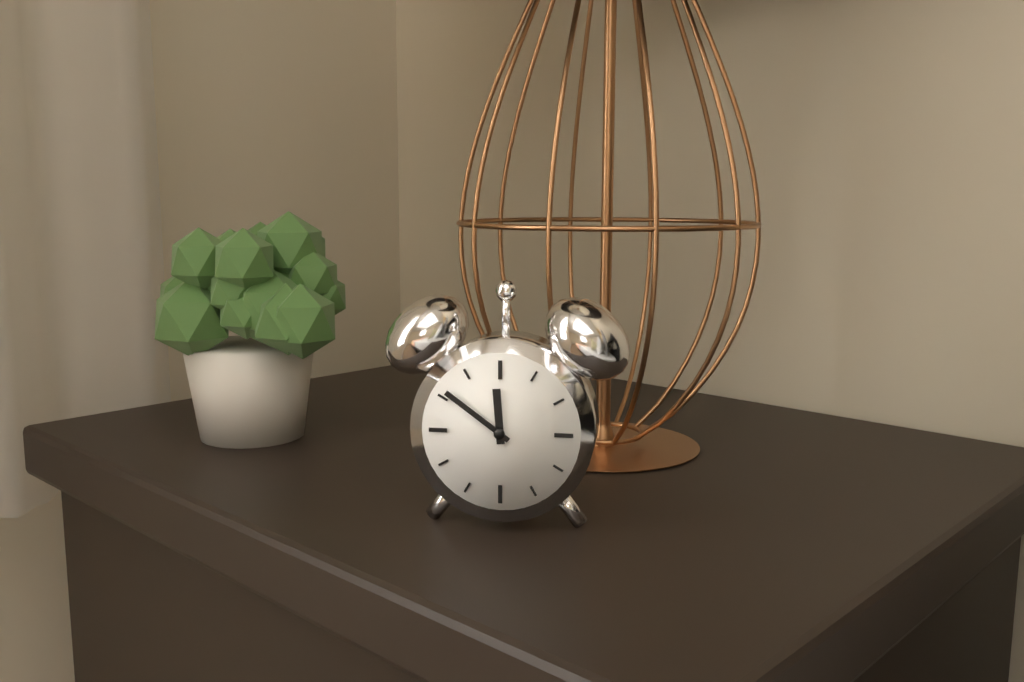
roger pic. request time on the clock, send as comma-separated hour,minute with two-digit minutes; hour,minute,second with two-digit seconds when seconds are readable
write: 11,51
